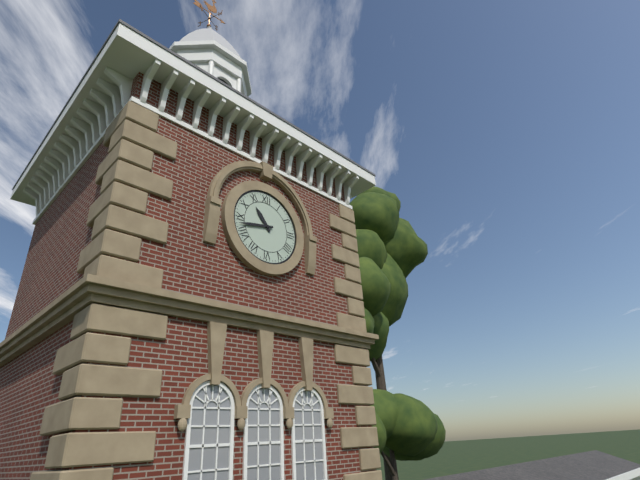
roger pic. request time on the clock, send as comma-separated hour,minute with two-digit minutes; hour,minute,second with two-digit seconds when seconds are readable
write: 10,43
